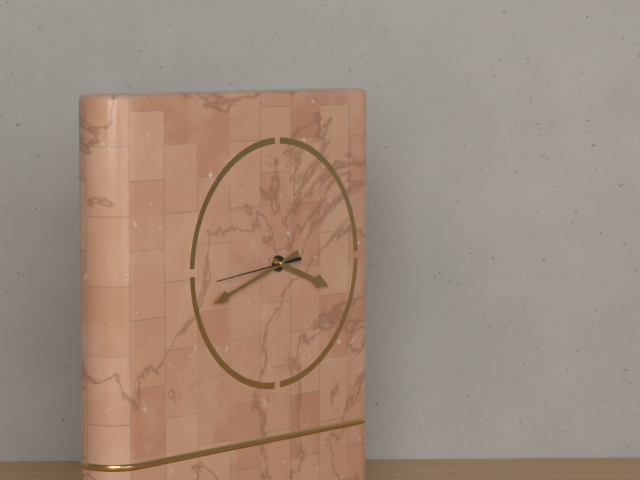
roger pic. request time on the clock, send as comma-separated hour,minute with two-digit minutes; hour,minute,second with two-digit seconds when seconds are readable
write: 3,42,44
